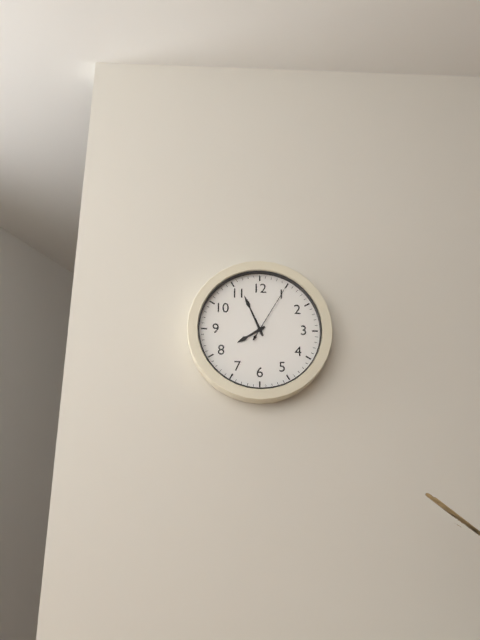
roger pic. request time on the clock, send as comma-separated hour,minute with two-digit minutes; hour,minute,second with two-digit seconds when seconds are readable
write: 7,56,05
